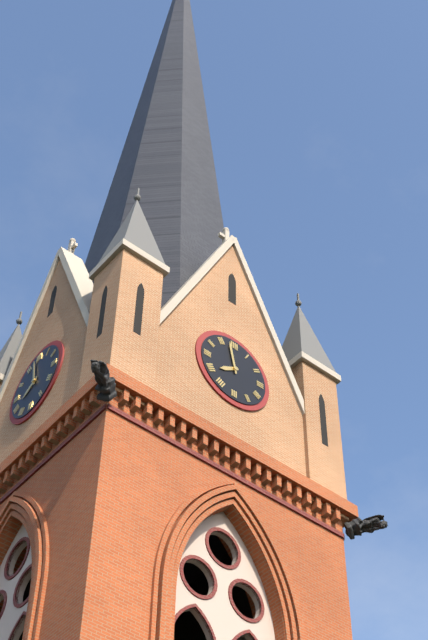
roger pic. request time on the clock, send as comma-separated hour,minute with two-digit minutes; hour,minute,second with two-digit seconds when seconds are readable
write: 7,58
